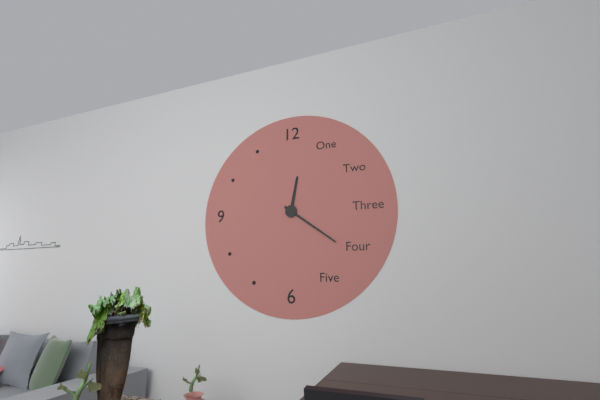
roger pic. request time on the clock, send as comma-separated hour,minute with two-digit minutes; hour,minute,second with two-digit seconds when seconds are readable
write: 12,21
